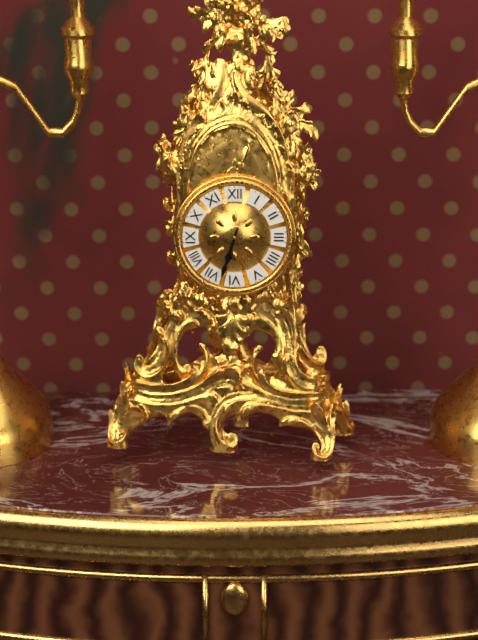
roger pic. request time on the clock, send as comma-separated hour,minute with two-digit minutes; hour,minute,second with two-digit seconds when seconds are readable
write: 6,33
